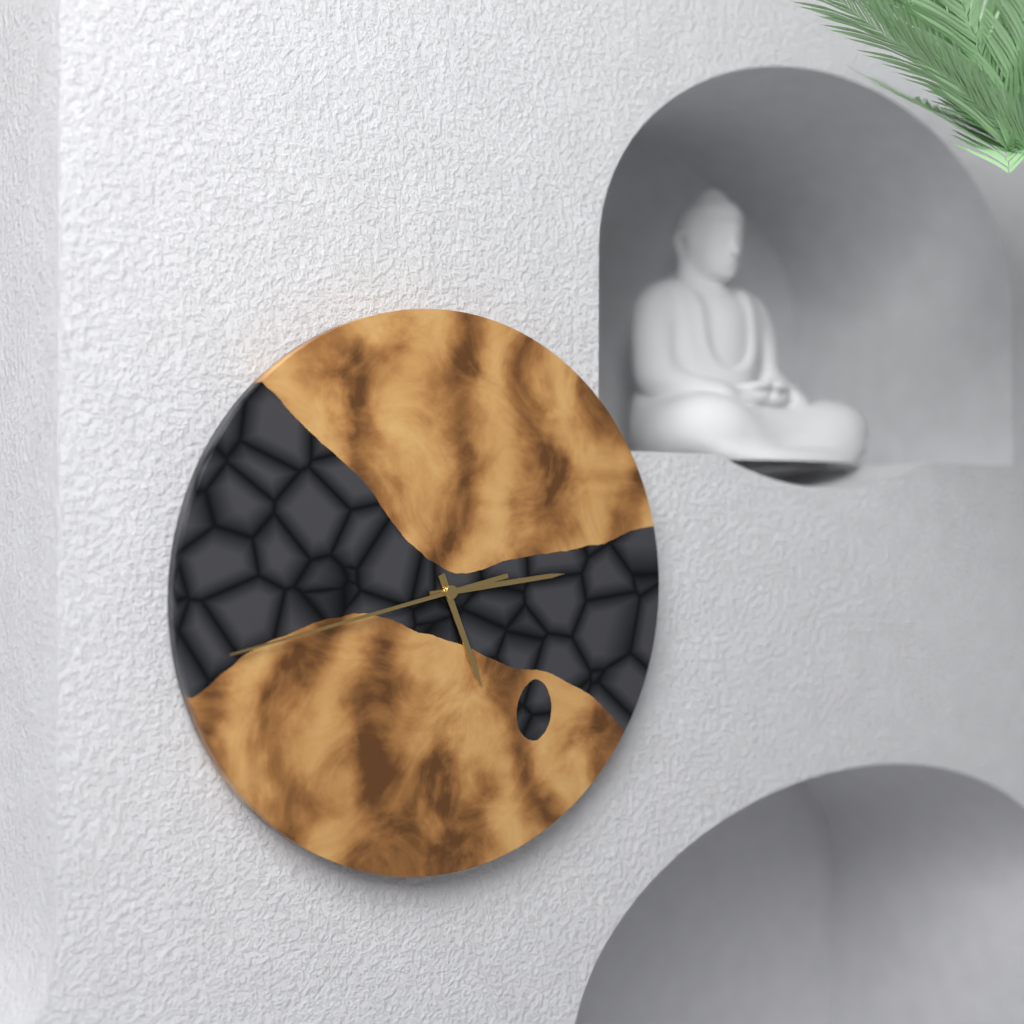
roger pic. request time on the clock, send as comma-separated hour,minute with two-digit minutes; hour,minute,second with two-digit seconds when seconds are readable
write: 5,14,43
